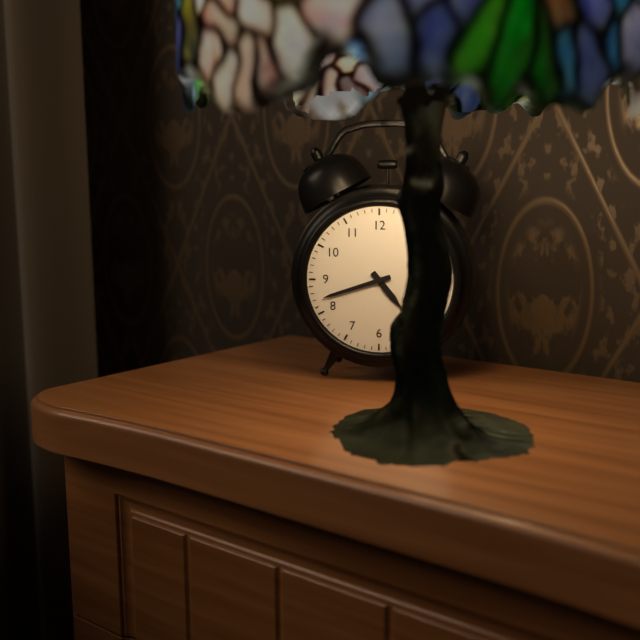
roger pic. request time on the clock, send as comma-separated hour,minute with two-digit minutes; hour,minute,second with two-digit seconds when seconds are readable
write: 4,42
